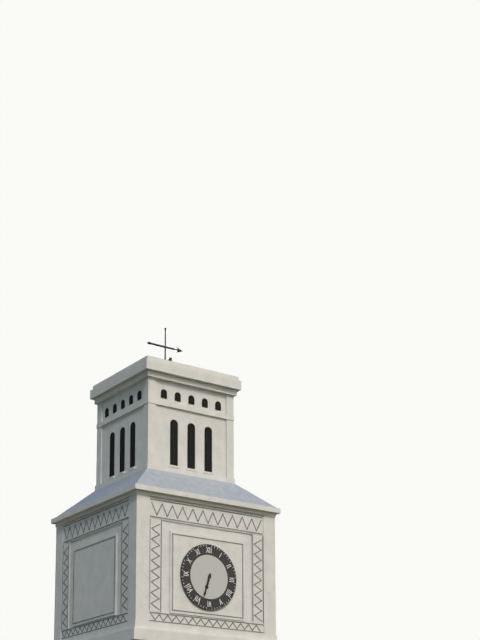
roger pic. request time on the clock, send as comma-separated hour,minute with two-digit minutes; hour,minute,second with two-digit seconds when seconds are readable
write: 6,33
